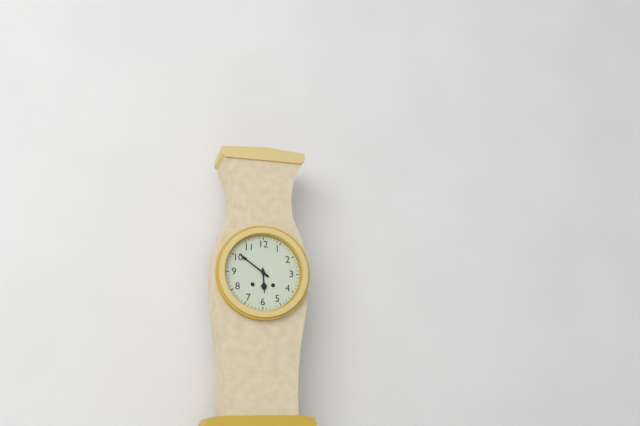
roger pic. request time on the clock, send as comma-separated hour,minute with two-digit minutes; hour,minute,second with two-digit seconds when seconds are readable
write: 5,51
